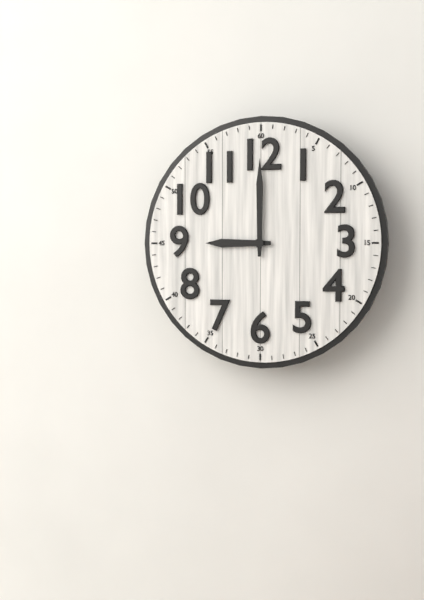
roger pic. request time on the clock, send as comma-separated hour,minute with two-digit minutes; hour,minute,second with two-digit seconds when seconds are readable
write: 9,00
